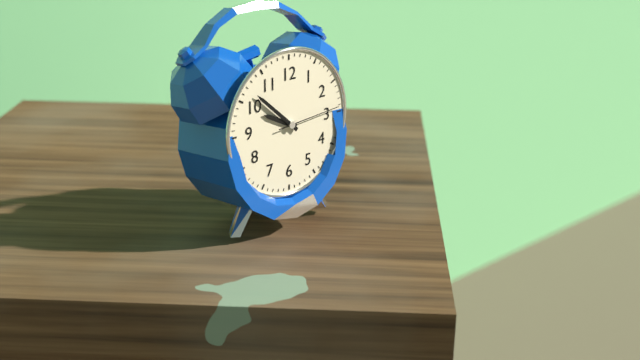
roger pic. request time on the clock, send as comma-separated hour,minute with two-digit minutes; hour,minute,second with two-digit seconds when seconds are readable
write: 9,52,14
